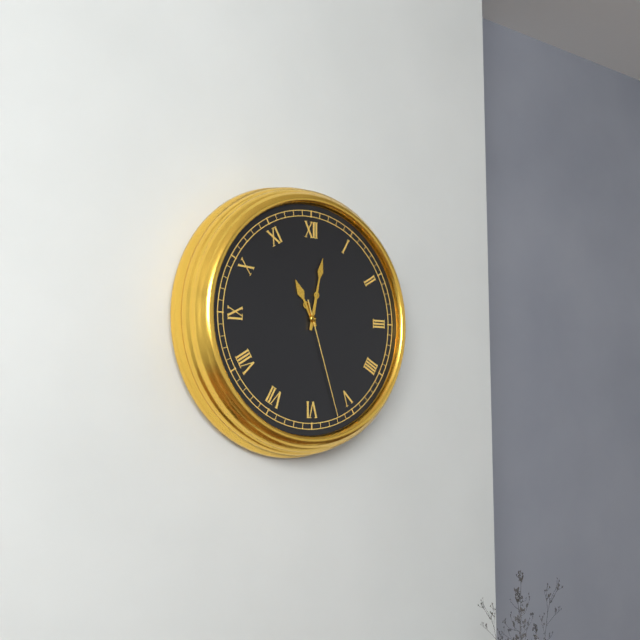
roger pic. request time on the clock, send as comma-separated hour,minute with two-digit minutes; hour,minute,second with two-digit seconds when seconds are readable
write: 11,02,27
